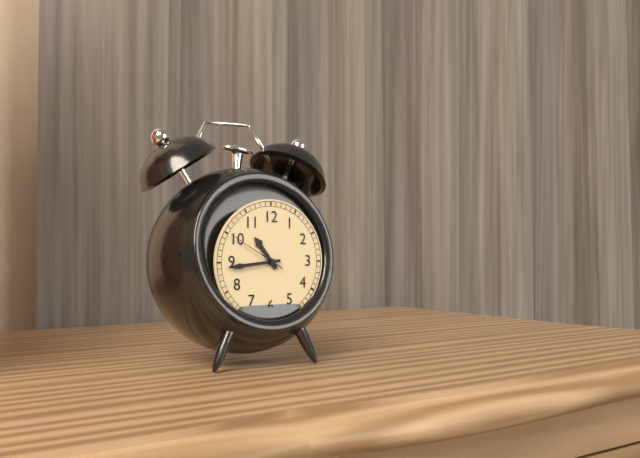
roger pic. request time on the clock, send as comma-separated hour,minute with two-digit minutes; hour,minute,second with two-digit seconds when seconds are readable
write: 10,44,50
